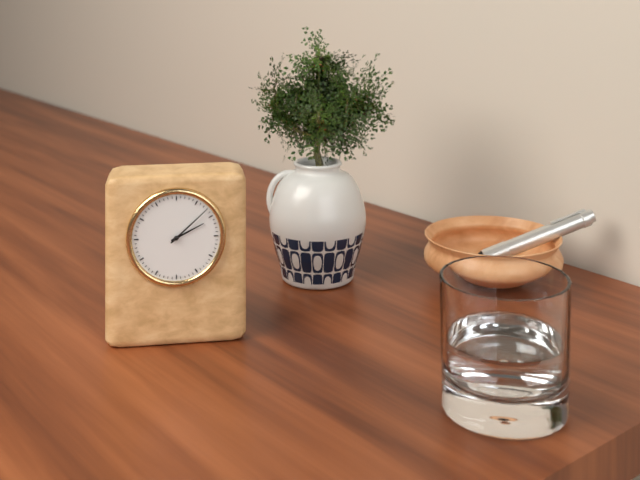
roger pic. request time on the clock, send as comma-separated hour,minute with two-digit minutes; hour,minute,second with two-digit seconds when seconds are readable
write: 2,08
